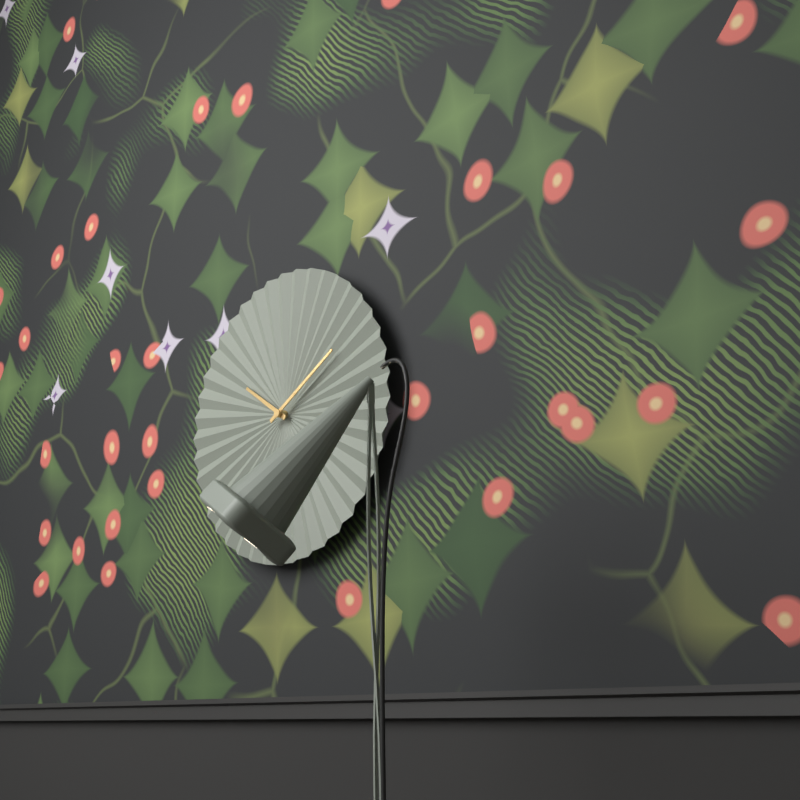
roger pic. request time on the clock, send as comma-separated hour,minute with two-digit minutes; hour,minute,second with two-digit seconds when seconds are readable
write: 10,10
